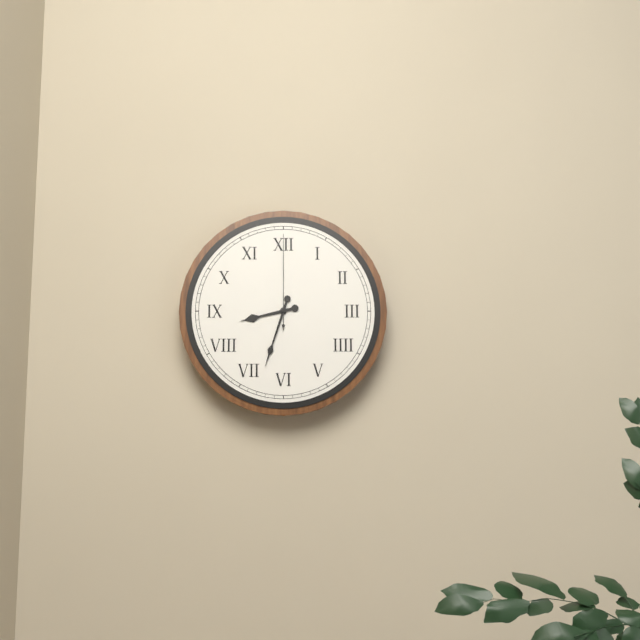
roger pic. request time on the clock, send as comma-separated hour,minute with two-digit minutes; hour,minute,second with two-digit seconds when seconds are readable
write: 8,33,00
